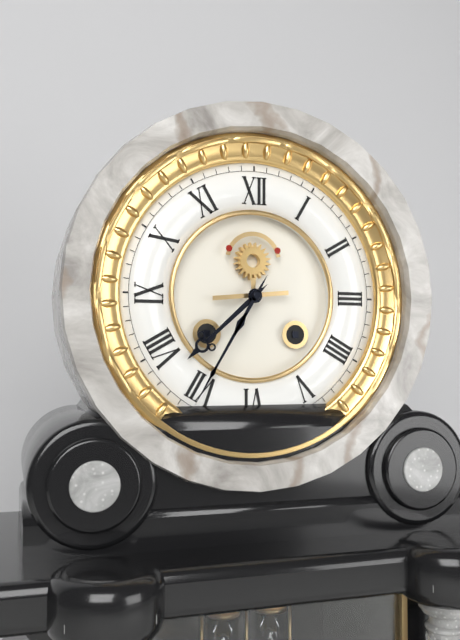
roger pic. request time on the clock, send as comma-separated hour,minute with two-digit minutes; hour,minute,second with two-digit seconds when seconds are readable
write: 7,35
